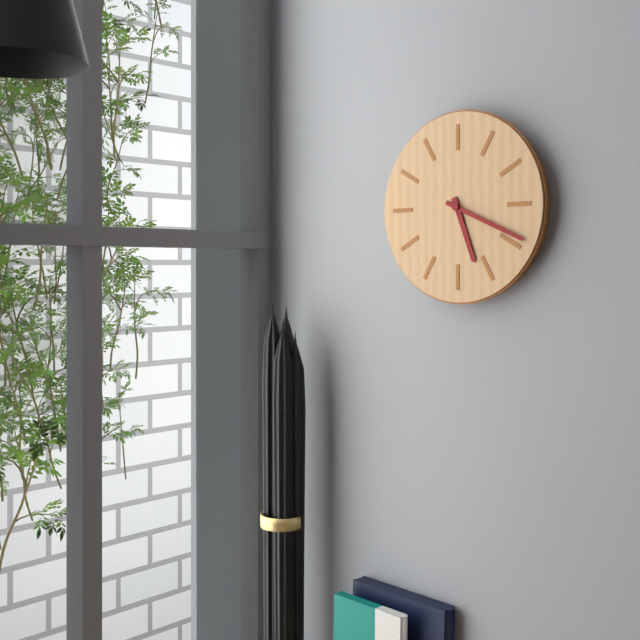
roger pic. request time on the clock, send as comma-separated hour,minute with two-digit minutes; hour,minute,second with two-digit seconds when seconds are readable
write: 5,19
